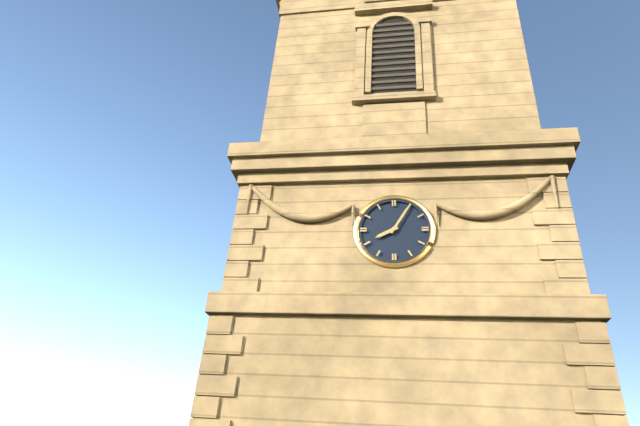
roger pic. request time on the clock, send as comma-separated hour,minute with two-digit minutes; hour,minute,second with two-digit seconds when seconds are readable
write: 8,05
